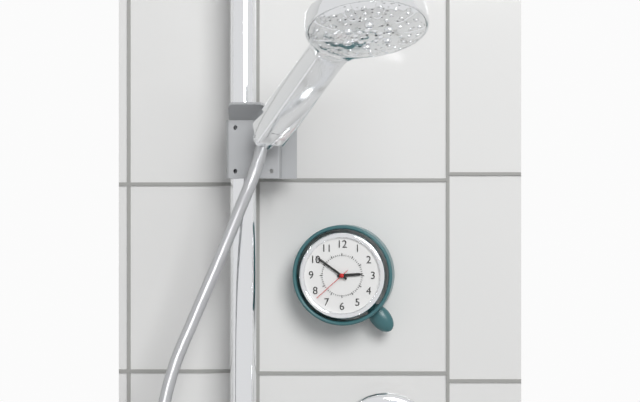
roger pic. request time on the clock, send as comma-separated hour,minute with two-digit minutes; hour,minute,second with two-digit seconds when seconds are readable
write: 2,51
